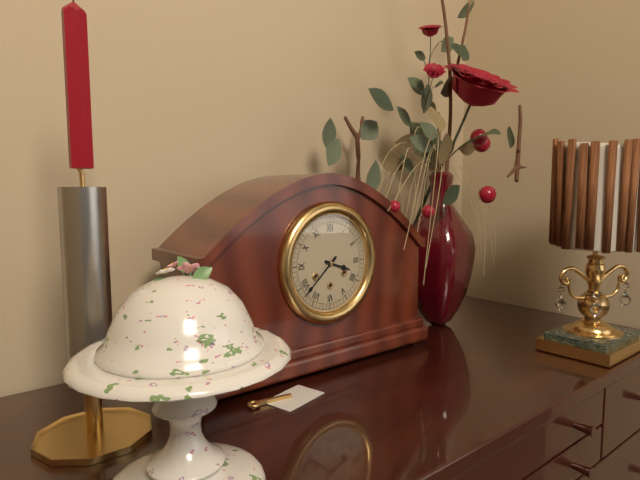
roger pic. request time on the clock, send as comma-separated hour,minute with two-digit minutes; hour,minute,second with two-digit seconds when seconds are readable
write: 3,38
